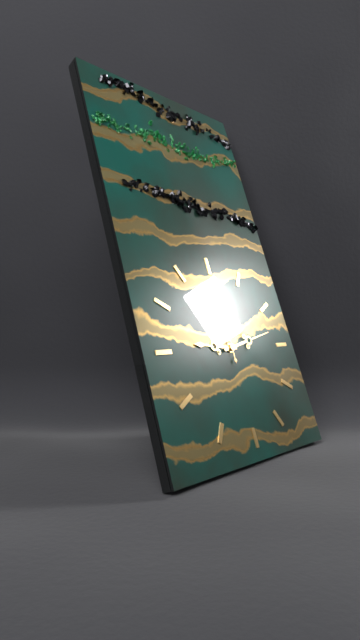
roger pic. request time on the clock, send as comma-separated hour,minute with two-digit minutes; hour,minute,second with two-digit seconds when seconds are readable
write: 9,13,00
